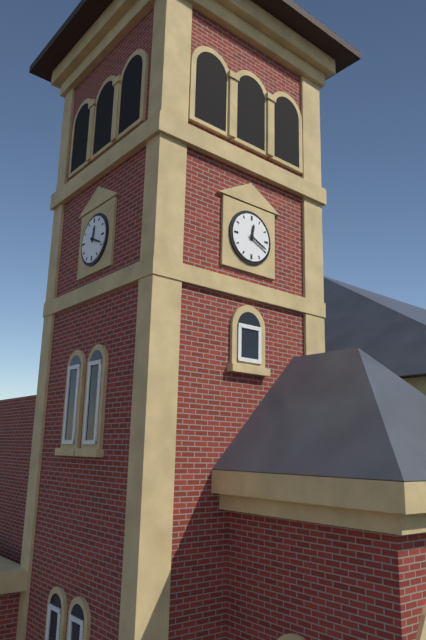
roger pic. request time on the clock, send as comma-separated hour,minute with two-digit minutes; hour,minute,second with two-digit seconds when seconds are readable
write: 12,19
